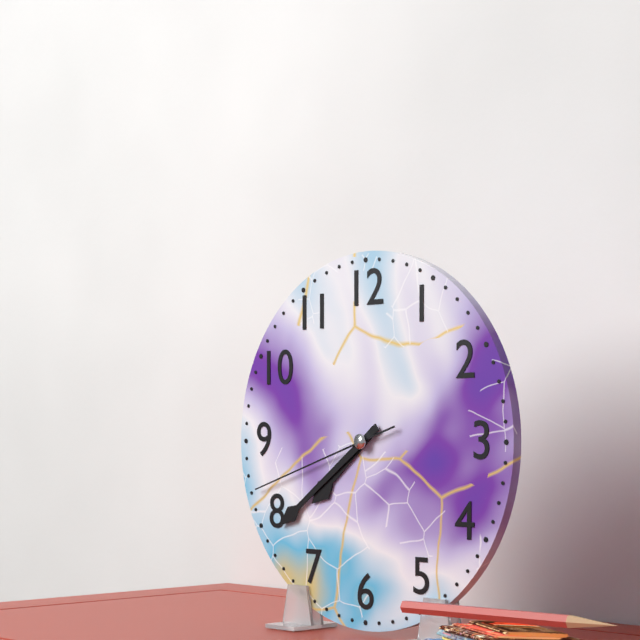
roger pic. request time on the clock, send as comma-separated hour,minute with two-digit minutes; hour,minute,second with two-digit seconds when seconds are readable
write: 7,39,42
